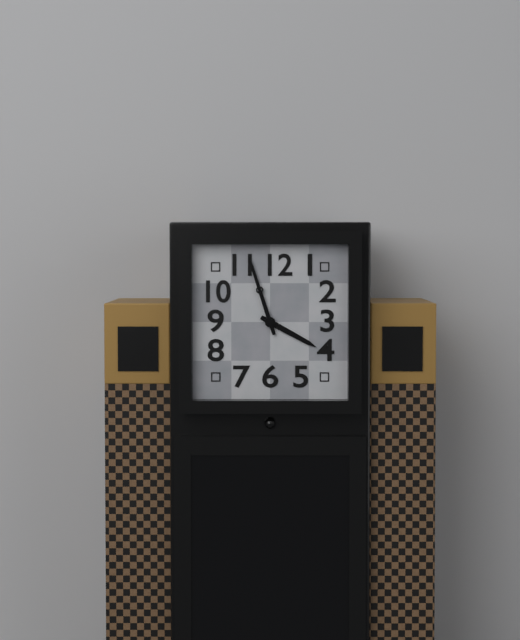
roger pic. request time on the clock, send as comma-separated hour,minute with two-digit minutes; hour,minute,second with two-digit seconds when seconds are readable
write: 3,57
